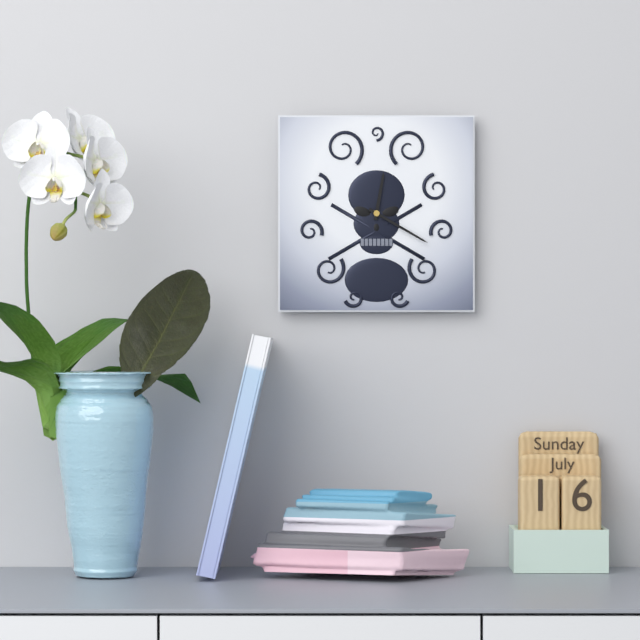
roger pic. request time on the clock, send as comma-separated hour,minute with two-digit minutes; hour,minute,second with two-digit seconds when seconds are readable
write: 12,20
